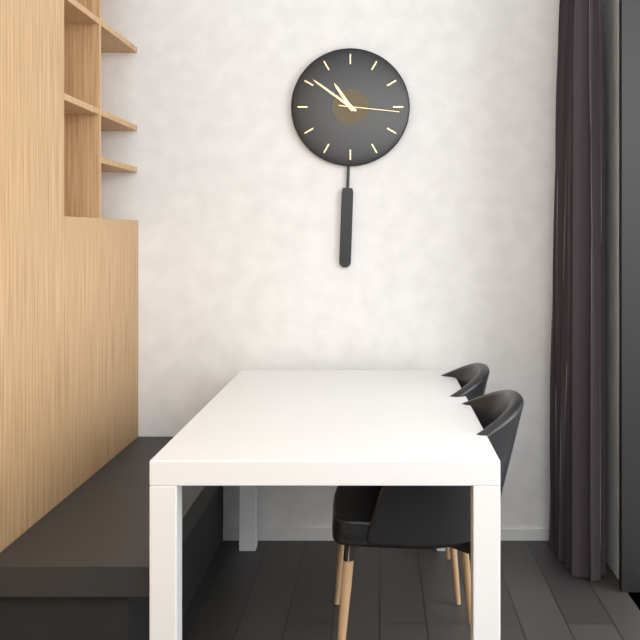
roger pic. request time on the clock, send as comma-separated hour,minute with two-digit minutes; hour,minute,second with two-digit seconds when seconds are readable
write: 10,51,16
